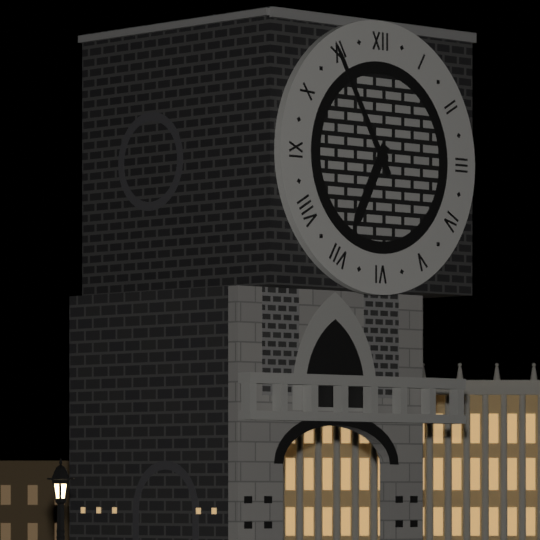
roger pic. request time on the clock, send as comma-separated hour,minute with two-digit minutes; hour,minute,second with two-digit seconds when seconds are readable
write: 6,55
